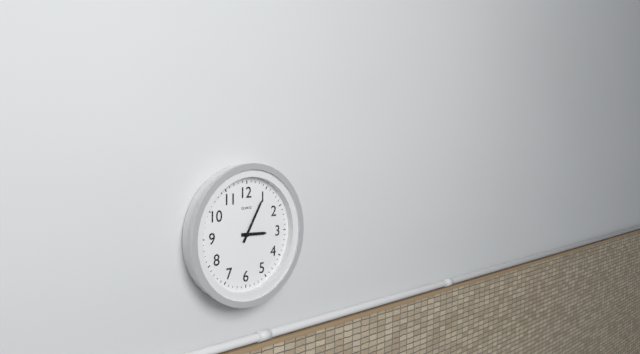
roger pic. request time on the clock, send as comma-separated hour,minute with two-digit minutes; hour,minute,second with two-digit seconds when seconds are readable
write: 3,05
